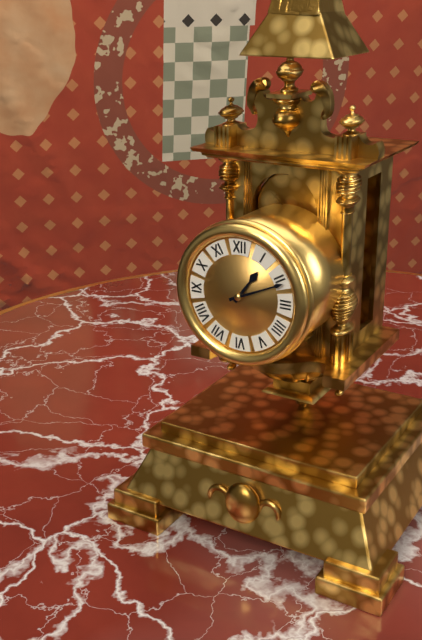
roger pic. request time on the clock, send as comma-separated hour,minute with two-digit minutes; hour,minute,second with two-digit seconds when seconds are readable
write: 1,11
